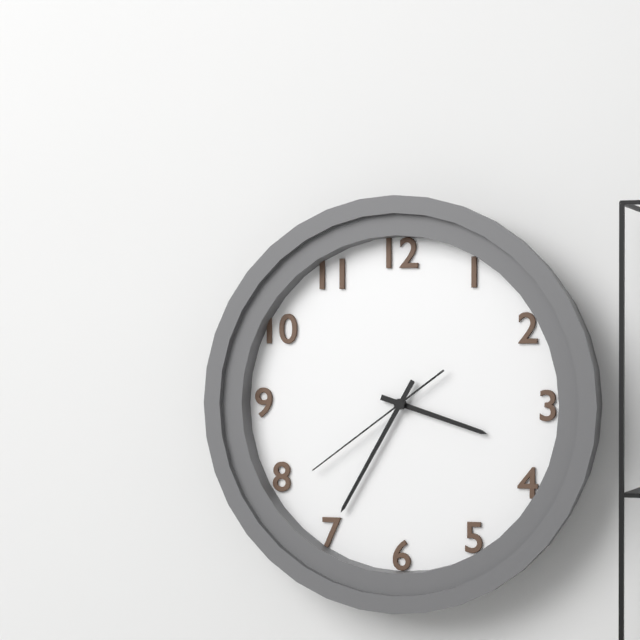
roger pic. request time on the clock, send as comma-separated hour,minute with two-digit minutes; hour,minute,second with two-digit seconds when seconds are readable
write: 3,35,39
